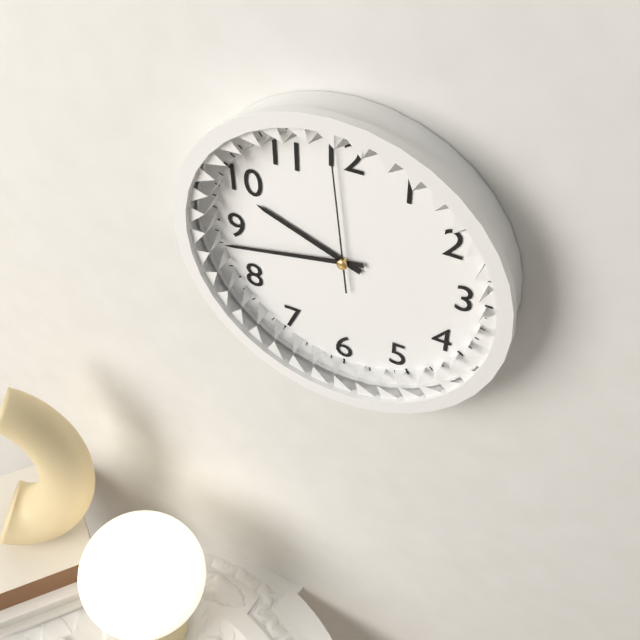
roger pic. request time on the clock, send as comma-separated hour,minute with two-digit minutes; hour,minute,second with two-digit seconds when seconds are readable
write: 9,43,59
